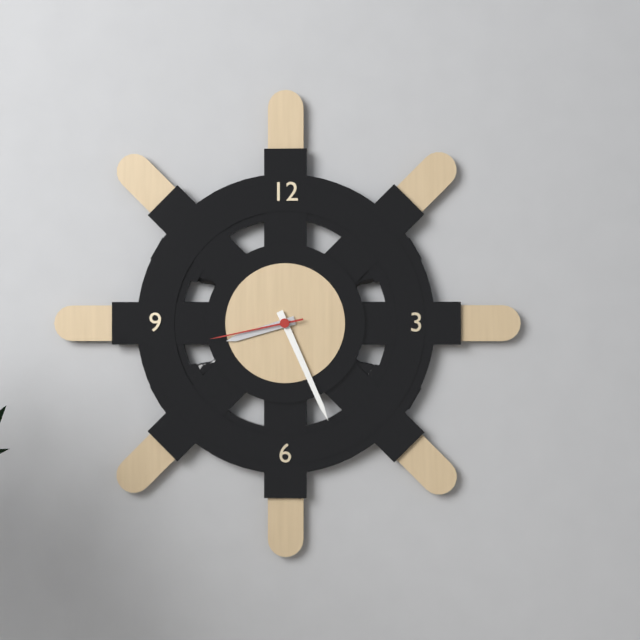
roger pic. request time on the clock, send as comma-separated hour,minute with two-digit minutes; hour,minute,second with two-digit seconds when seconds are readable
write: 8,26,43
